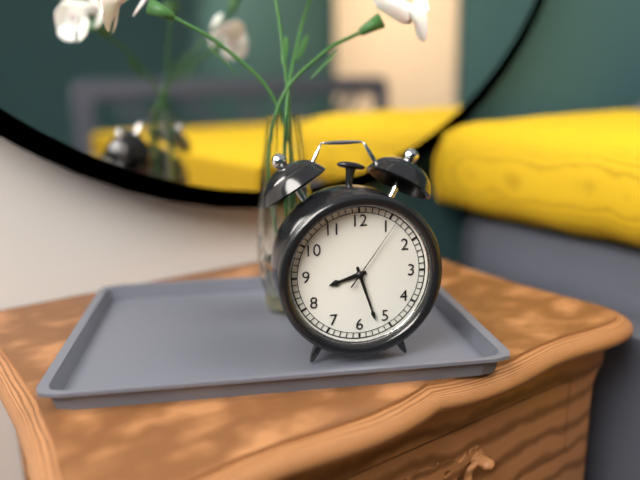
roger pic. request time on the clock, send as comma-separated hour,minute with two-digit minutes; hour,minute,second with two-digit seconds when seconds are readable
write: 8,27,06
